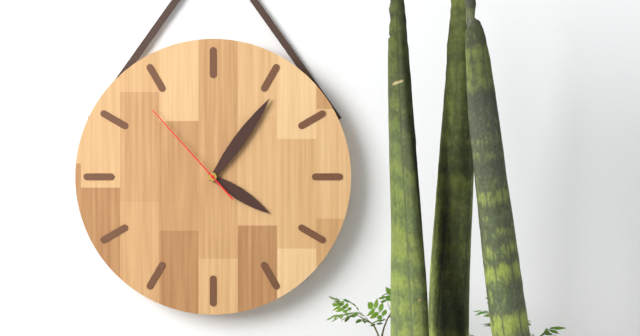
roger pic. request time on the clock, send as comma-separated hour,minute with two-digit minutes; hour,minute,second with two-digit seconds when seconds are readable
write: 4,06,53
